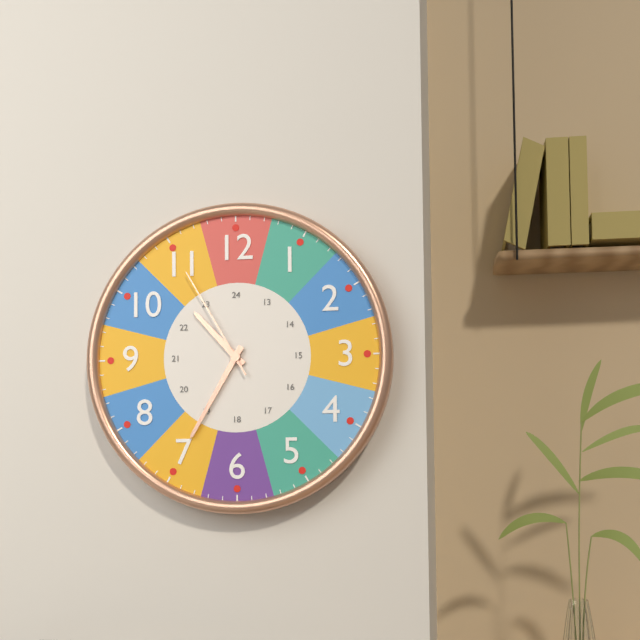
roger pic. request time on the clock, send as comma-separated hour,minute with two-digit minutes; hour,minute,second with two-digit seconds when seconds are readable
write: 10,35,55
